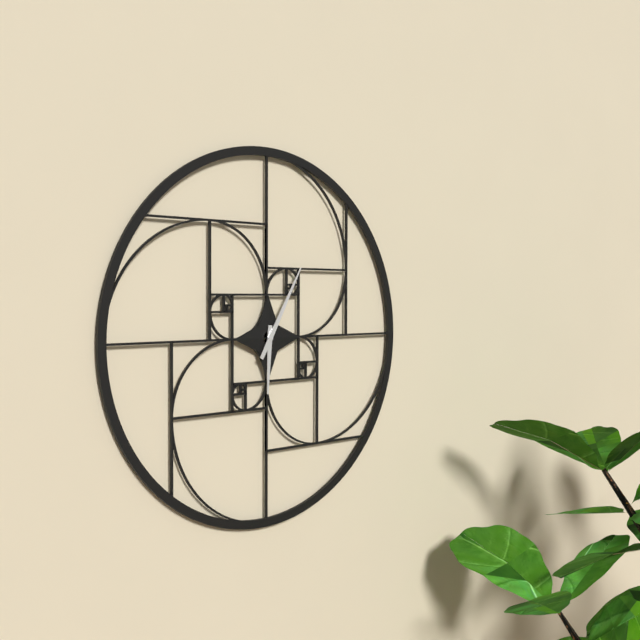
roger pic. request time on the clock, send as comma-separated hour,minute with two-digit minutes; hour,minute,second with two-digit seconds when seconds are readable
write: 6,05
